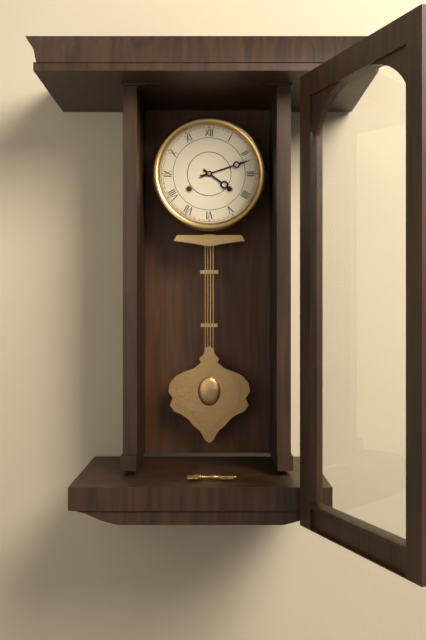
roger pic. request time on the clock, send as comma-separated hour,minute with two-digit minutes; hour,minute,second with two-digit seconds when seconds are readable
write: 4,12
